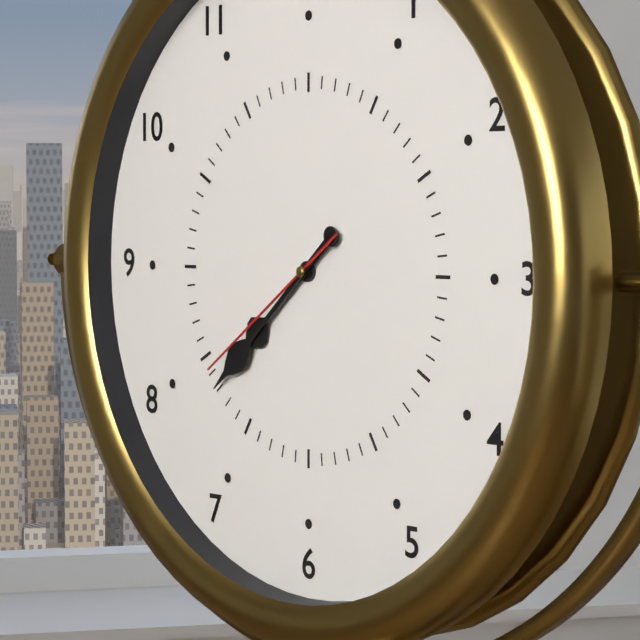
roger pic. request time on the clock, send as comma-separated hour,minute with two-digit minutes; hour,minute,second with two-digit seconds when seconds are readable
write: 7,38,39
